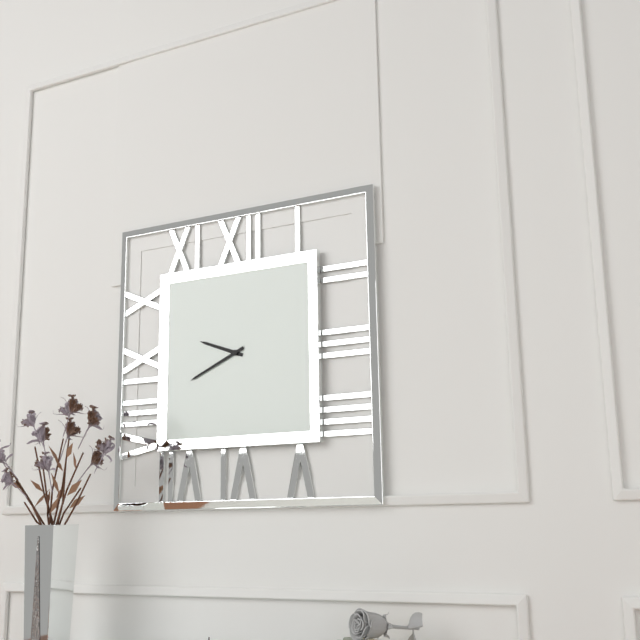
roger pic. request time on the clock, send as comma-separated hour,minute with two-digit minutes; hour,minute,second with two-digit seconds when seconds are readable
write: 9,41
